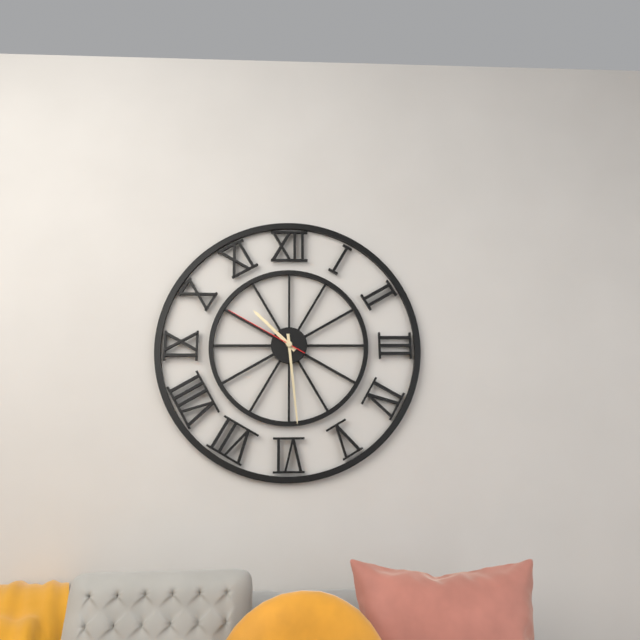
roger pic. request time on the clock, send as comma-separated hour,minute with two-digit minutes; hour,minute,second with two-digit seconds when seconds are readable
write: 10,29,50
